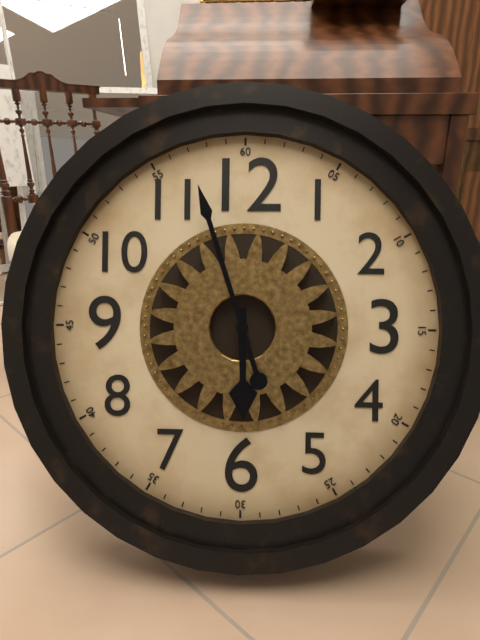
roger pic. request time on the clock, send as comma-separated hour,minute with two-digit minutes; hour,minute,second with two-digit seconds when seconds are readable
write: 5,57
